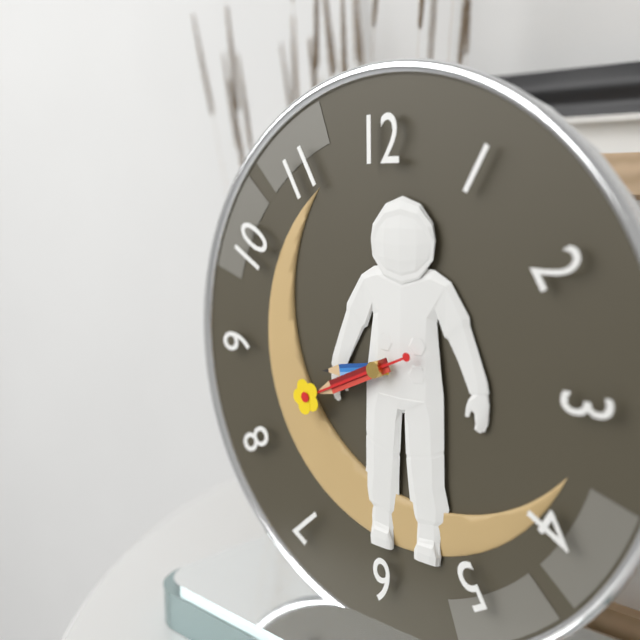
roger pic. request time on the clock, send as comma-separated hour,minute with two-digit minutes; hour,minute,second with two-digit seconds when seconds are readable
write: 8,41,41
